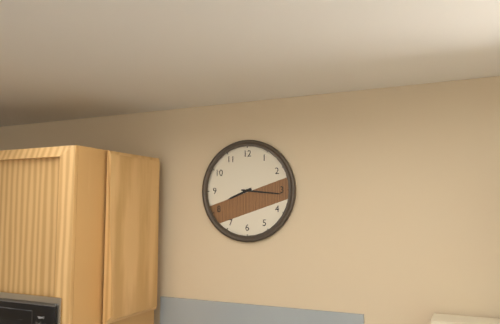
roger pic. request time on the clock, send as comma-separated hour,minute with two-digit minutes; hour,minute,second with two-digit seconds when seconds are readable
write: 8,16
